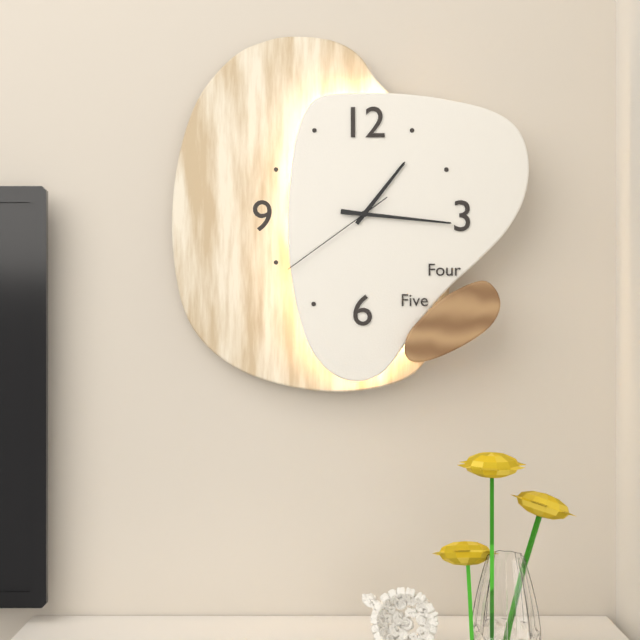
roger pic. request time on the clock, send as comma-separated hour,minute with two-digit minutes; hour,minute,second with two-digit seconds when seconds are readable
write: 1,16,39
